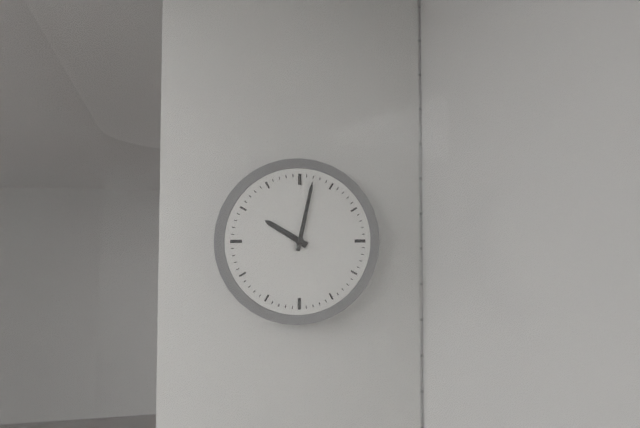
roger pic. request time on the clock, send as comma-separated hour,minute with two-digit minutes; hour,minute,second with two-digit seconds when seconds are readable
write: 10,02
